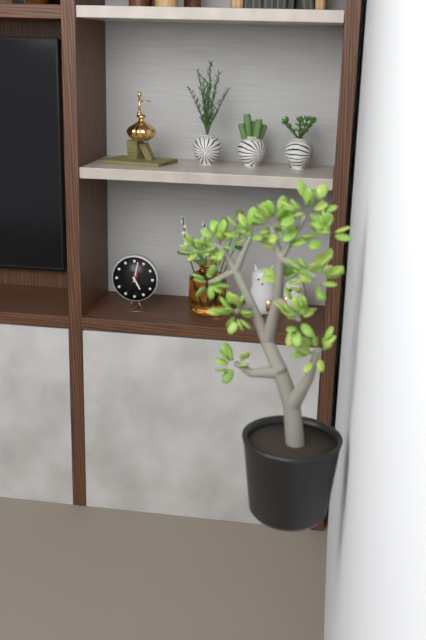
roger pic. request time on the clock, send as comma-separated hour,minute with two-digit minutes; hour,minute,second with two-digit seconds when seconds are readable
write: 5,02
